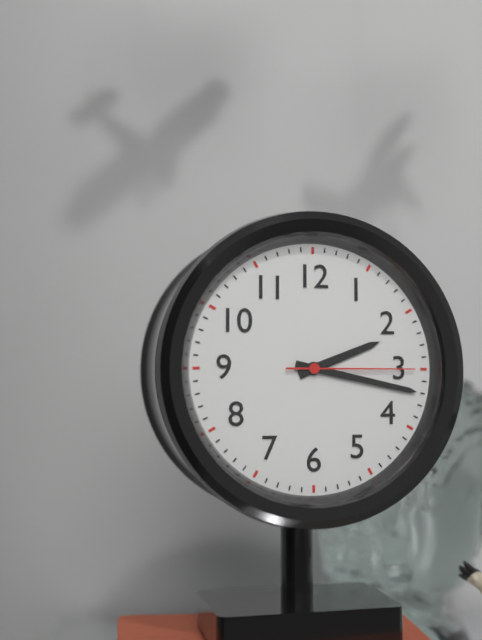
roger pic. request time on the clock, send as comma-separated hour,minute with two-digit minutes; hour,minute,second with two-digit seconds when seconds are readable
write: 2,17,15
